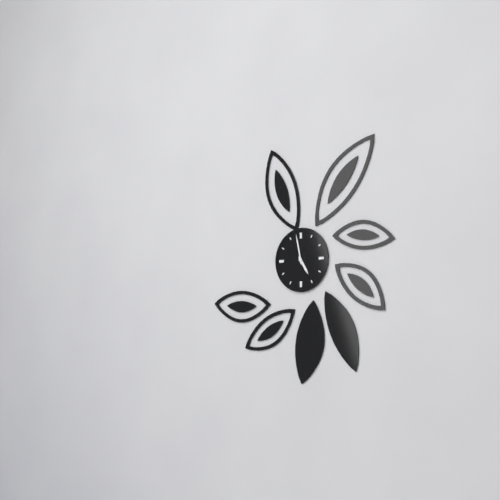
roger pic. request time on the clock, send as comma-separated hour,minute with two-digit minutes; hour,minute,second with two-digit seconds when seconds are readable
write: 4,58
